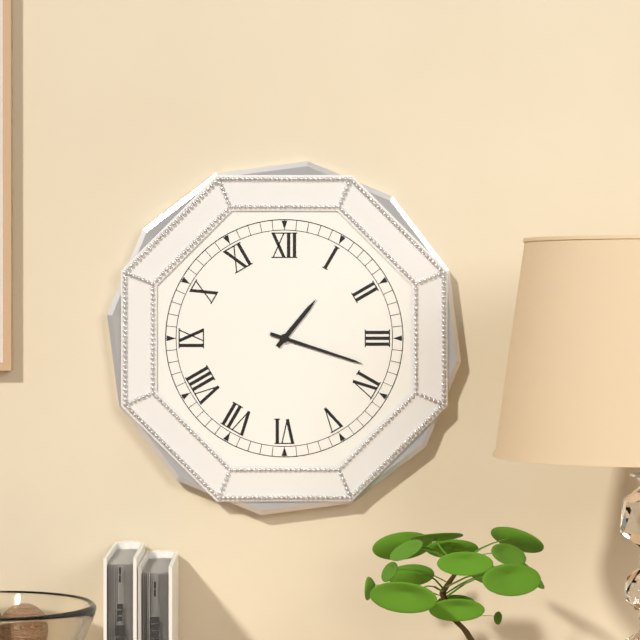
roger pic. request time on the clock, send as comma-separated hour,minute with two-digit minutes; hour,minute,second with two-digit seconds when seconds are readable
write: 1,18
